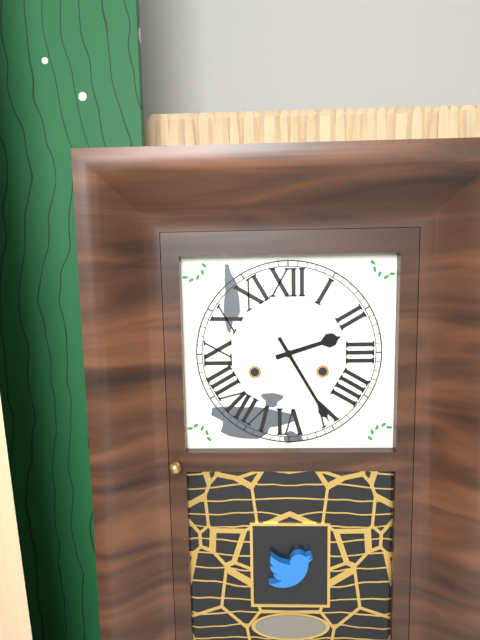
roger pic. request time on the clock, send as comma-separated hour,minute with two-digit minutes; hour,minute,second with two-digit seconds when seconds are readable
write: 2,25
